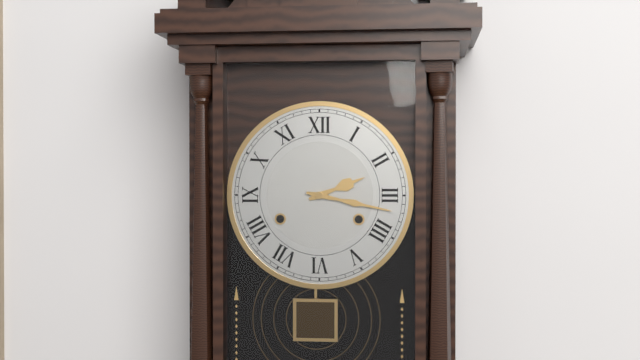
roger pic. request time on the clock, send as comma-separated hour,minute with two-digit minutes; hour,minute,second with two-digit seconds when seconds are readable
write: 2,17
